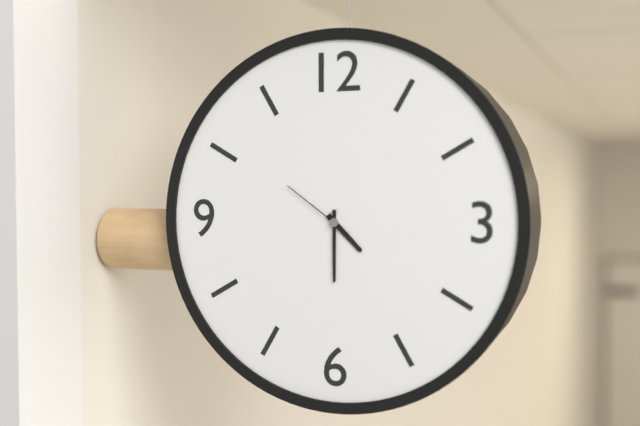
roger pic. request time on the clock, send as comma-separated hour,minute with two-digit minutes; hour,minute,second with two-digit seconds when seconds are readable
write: 4,30,51
